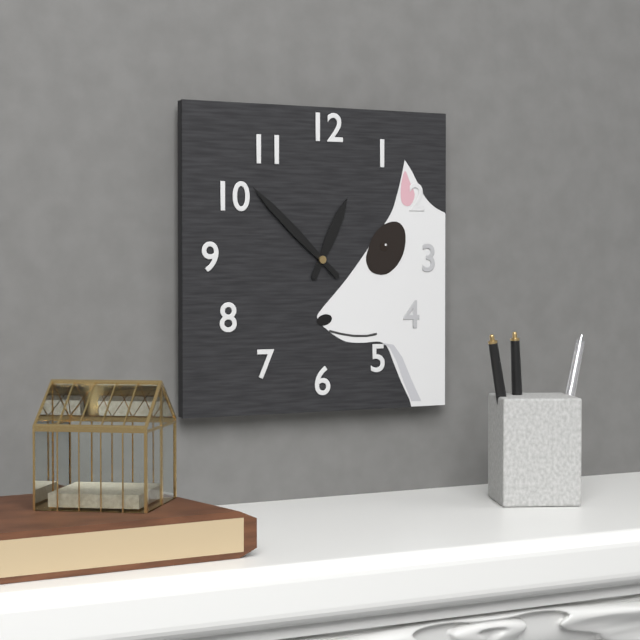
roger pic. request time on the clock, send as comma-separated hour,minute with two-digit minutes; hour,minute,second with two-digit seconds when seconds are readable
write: 12,52
